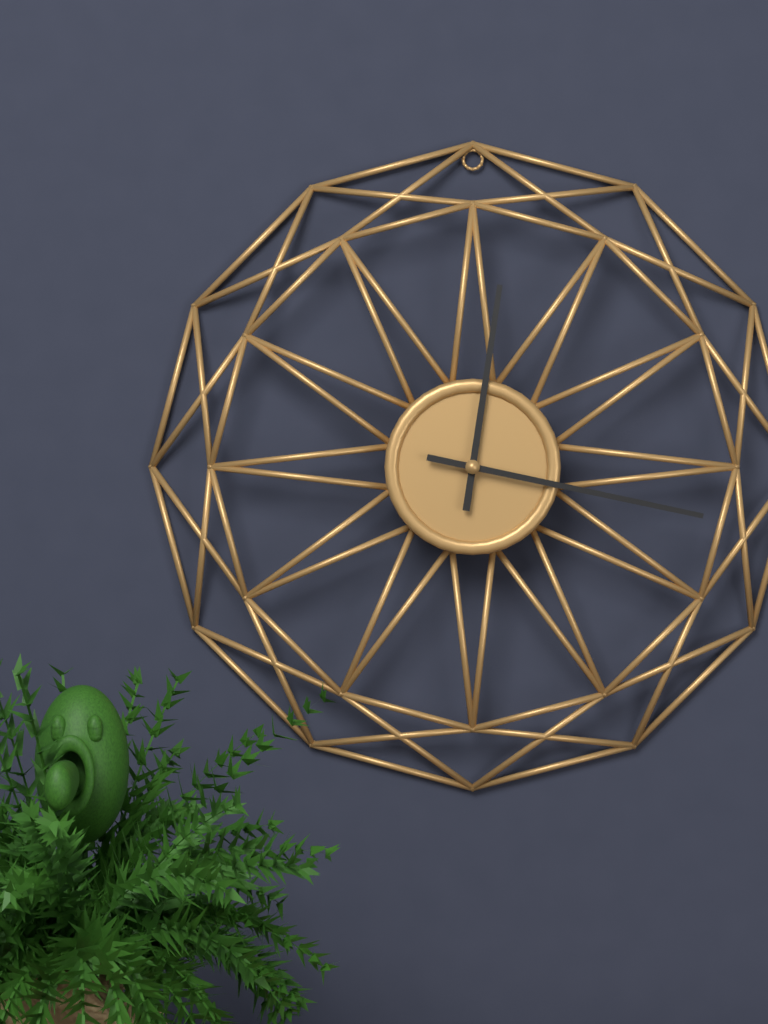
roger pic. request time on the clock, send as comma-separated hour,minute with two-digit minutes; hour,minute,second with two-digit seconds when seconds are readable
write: 12,17
